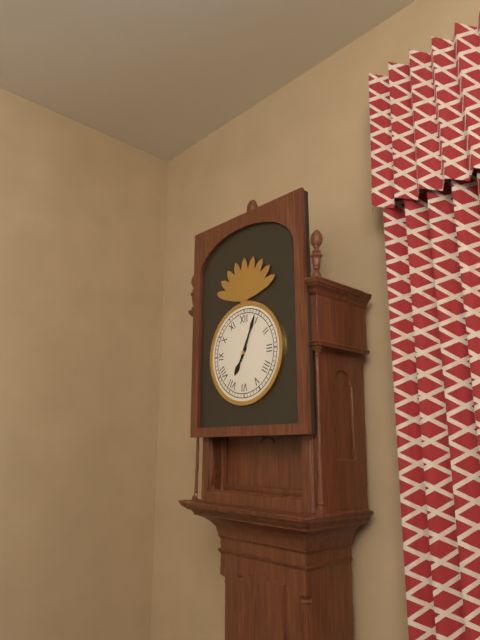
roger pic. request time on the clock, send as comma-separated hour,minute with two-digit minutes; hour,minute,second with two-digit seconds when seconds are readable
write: 7,04
